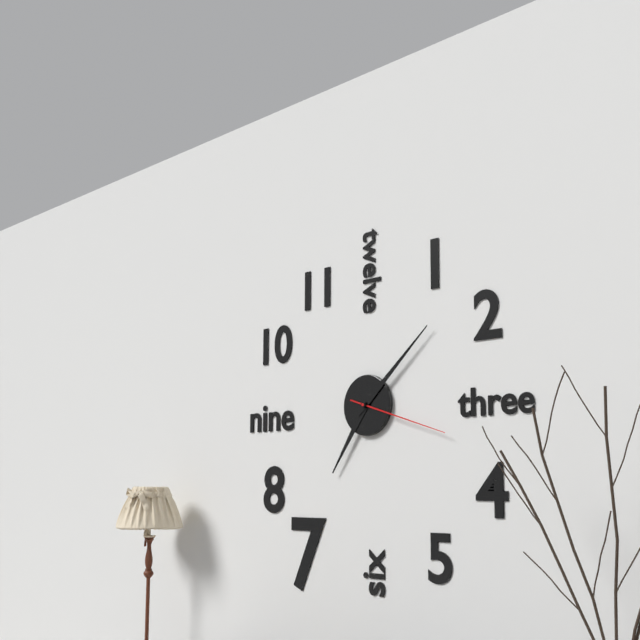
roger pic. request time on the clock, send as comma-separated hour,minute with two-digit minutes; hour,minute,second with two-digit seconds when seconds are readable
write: 7,08,18
